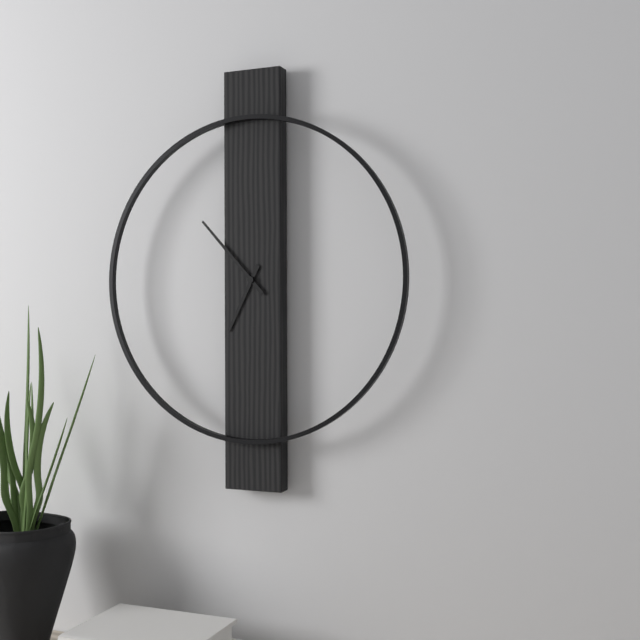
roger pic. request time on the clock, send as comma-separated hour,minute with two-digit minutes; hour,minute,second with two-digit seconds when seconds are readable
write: 6,53
